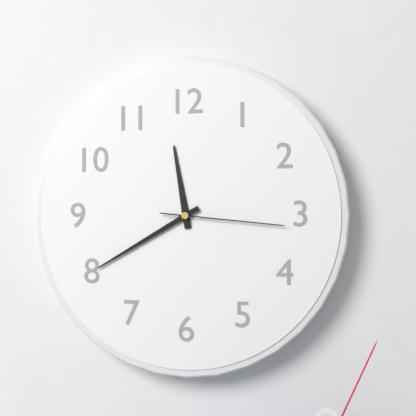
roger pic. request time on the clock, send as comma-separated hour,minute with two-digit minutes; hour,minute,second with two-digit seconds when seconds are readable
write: 11,40,16
